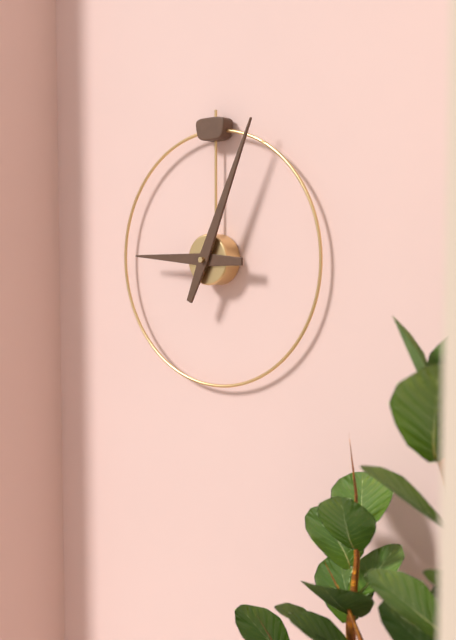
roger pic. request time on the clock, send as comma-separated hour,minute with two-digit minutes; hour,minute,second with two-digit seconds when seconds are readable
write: 9,04
